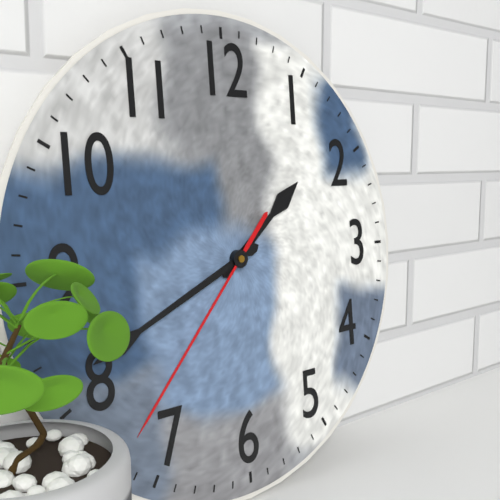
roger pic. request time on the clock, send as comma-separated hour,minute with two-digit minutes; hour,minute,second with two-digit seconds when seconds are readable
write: 1,41,37
